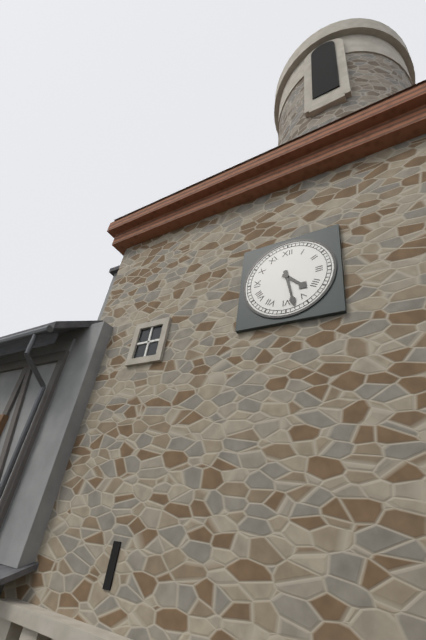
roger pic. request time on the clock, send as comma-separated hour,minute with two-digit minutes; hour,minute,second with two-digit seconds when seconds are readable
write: 4,28
